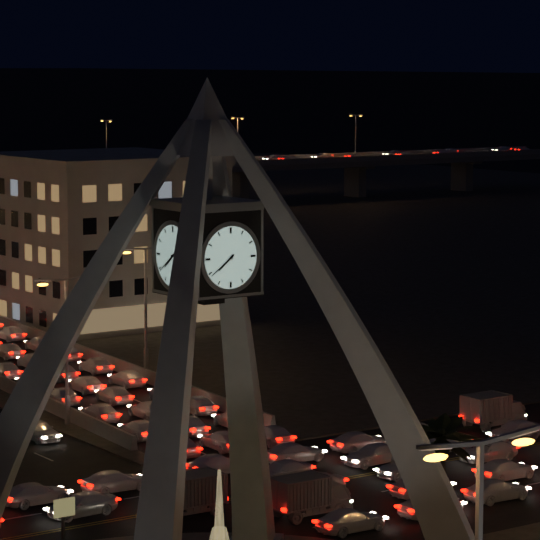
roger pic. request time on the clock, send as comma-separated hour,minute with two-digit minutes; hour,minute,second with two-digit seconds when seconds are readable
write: 7,39
